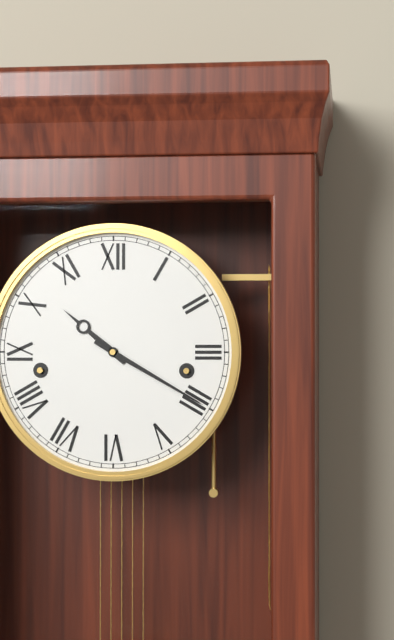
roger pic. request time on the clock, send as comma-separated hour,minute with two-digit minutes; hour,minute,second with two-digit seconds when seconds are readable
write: 10,20
